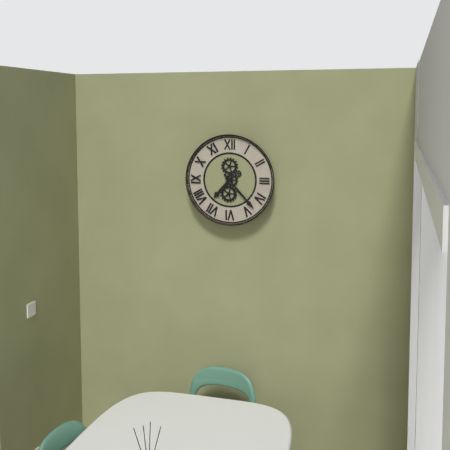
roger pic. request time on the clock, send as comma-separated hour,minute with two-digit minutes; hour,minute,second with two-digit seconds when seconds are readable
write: 7,23
